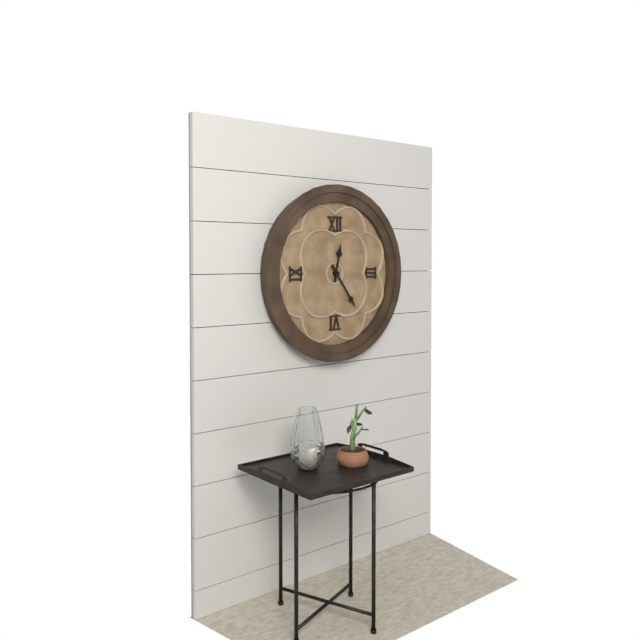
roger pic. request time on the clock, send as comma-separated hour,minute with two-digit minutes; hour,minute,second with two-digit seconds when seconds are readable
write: 12,24
